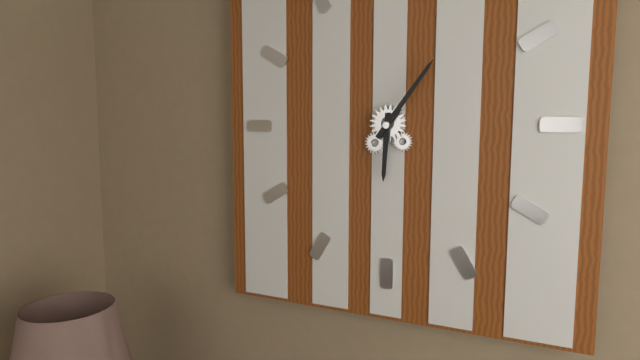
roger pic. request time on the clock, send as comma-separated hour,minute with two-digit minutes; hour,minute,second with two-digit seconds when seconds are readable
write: 6,06
